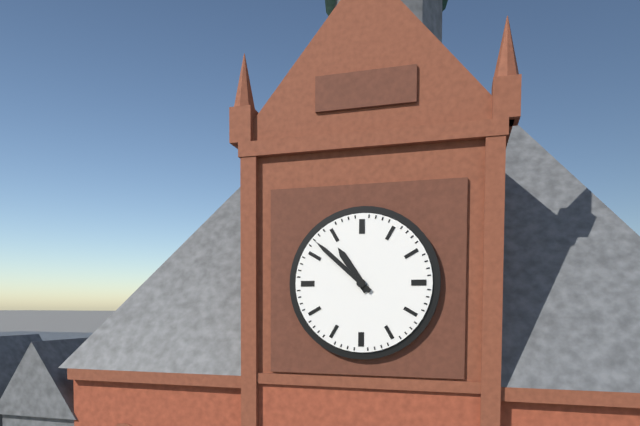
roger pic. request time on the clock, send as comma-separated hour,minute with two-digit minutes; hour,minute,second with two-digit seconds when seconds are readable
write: 10,52
